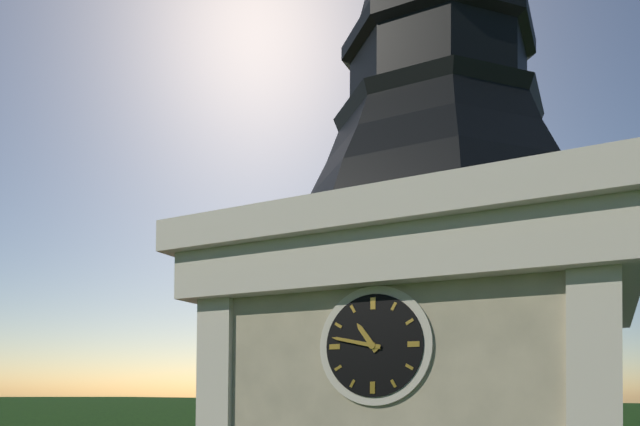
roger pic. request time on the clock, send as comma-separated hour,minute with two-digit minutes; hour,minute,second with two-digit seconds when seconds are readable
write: 10,47
